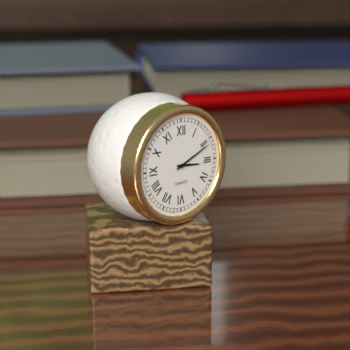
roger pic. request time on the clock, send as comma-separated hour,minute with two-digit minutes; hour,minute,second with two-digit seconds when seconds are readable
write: 3,11
